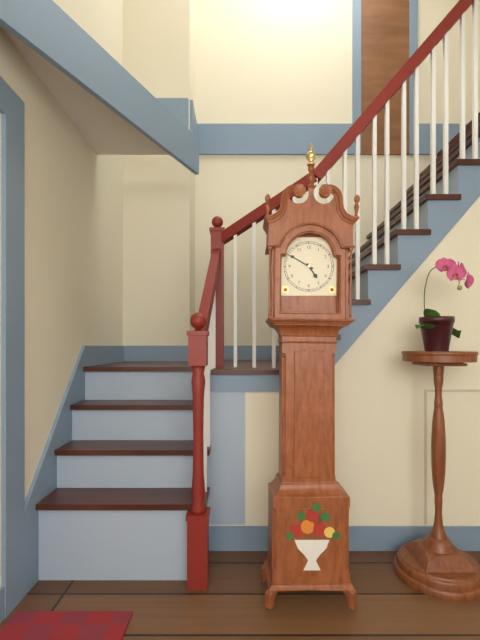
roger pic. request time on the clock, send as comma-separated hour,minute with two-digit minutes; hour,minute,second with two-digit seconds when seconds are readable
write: 4,50
